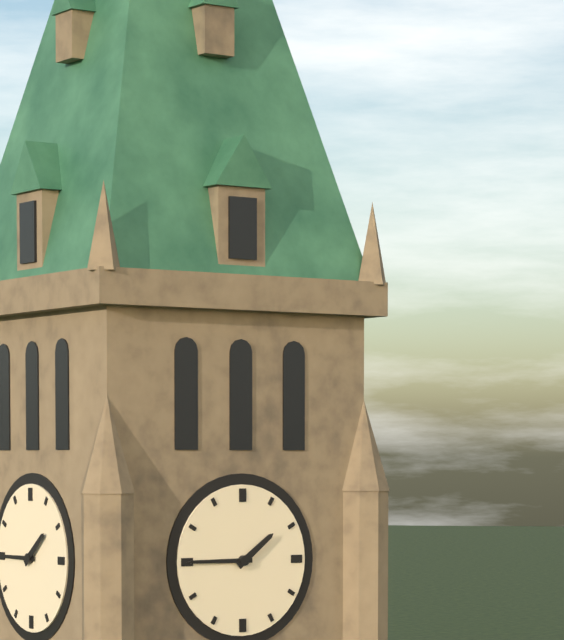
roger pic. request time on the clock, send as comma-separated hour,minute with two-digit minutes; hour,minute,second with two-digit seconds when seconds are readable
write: 1,45
